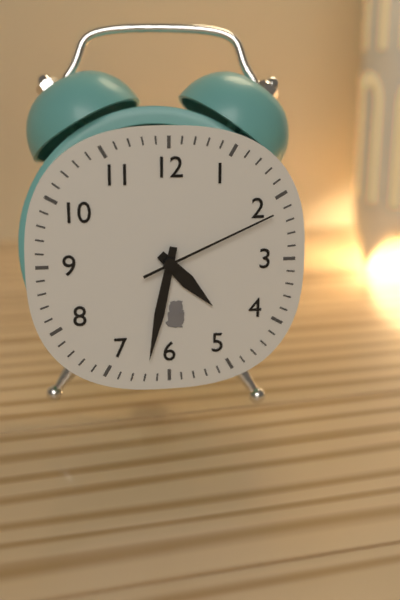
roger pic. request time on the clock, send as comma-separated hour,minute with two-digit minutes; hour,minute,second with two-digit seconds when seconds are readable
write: 4,32,11
